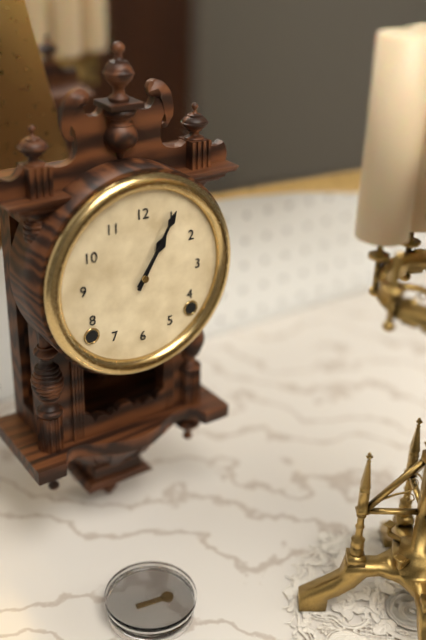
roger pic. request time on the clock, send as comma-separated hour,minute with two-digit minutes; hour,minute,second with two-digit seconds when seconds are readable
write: 1,05
